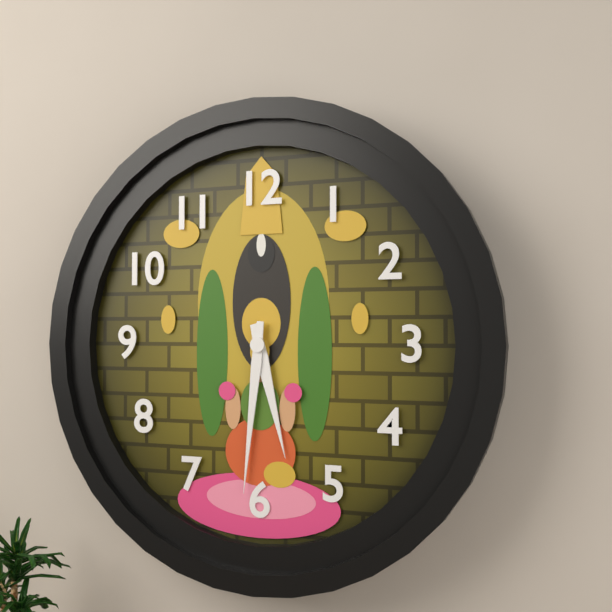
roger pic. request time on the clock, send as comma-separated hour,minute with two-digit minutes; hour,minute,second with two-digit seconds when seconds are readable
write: 5,31
